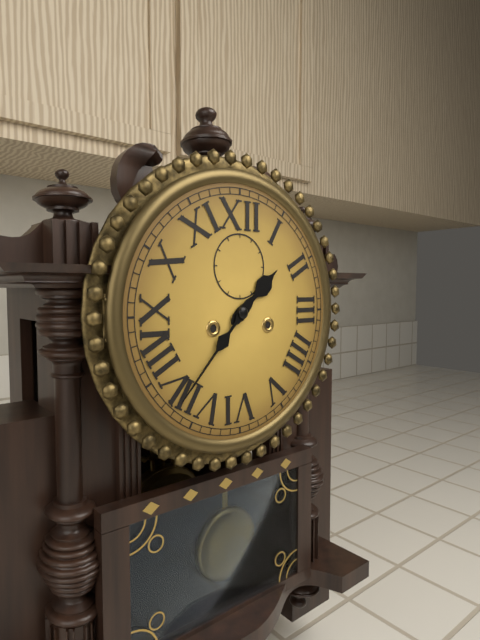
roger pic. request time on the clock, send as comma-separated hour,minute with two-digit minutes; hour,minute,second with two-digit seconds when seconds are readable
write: 1,37
